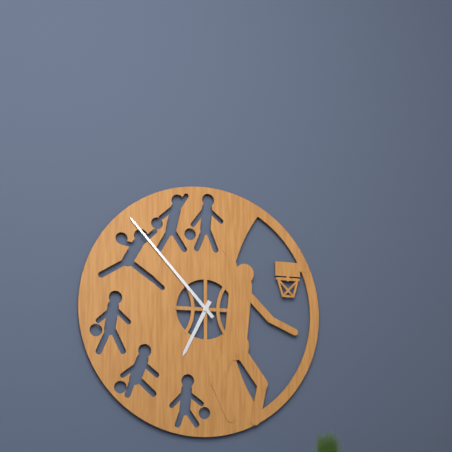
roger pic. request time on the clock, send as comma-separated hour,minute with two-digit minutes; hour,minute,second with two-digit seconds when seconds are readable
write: 6,53
